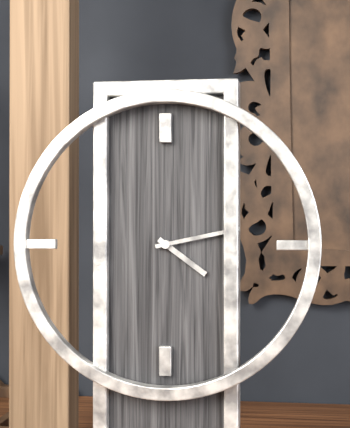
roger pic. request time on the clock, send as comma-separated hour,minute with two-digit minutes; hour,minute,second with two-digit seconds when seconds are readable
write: 4,13
